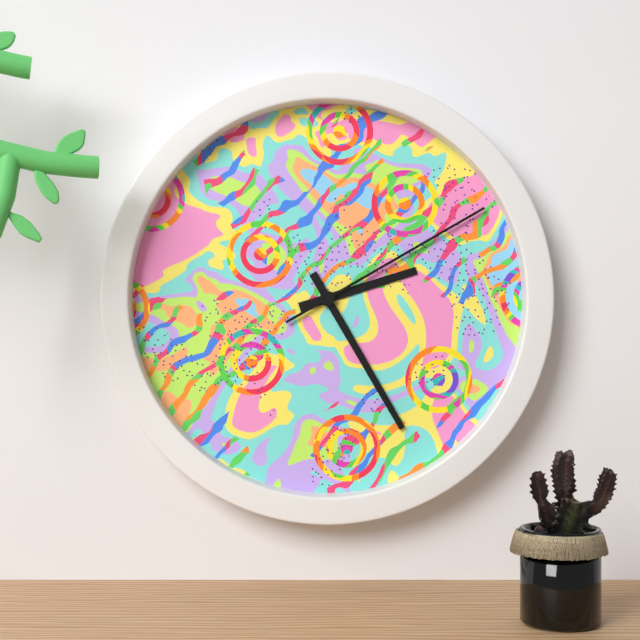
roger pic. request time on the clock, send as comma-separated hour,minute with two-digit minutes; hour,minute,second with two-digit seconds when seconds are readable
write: 2,25,10
